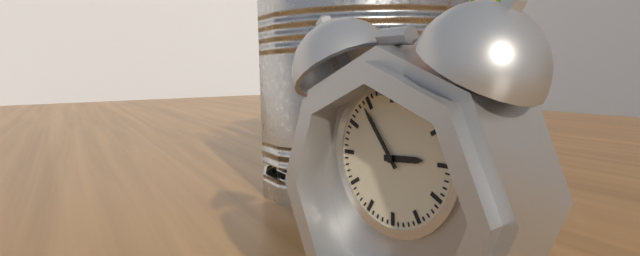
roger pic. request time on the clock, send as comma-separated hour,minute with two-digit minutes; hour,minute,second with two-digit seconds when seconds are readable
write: 2,54
